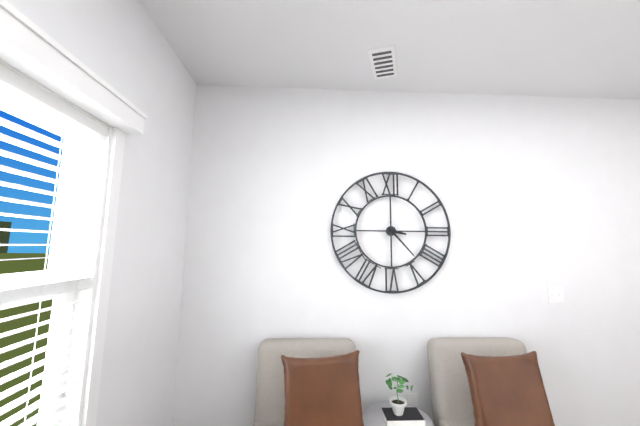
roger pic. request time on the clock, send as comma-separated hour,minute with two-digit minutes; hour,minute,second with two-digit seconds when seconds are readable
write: 3,23
